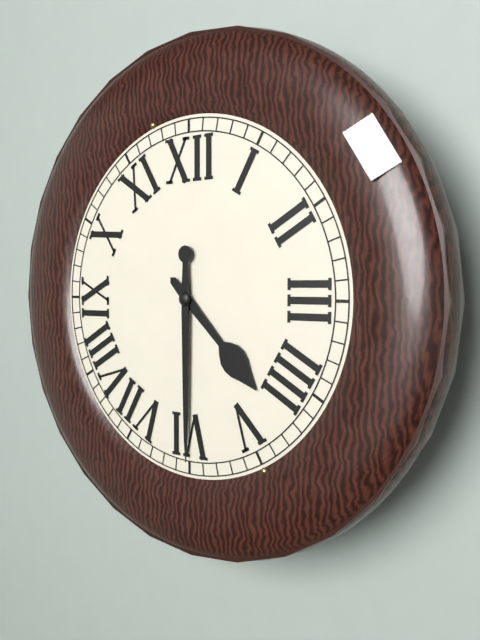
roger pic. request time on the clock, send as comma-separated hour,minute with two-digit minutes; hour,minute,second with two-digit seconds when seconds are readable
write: 4,30
